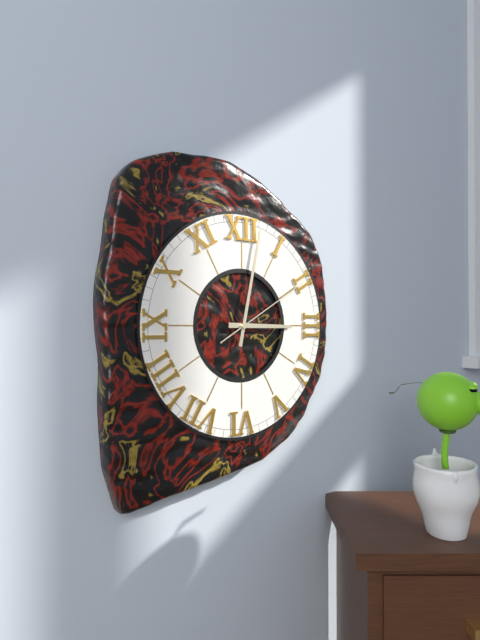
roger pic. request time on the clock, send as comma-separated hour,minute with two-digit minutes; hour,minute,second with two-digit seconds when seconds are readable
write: 3,02,10
